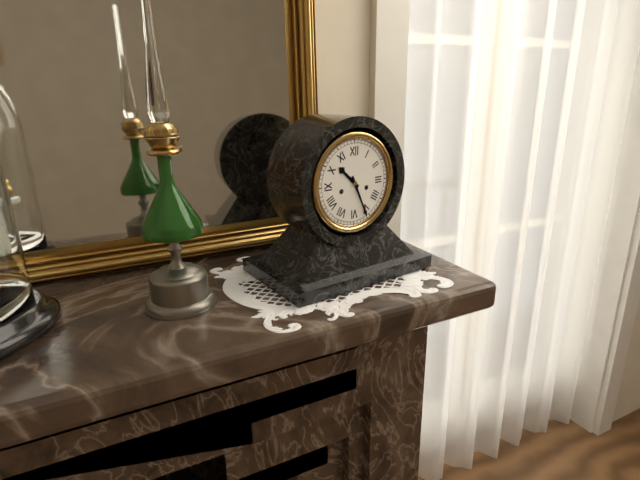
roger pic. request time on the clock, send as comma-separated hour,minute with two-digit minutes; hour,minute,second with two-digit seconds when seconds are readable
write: 10,26
